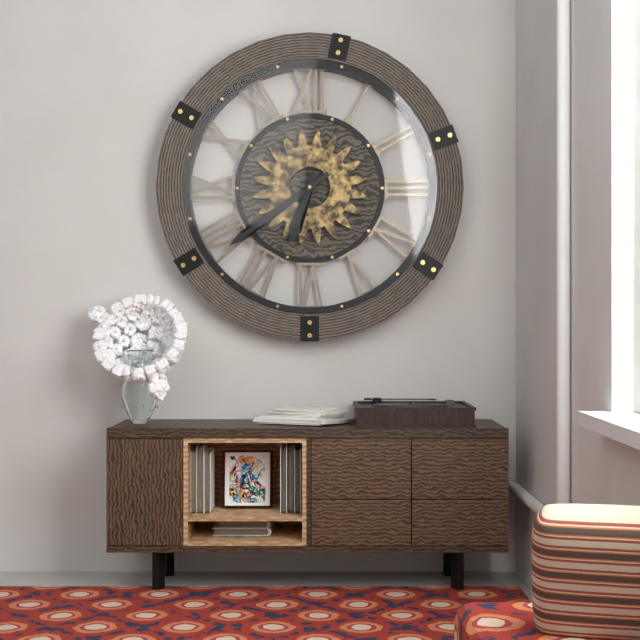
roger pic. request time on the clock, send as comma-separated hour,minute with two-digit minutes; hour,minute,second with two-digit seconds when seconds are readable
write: 6,39
